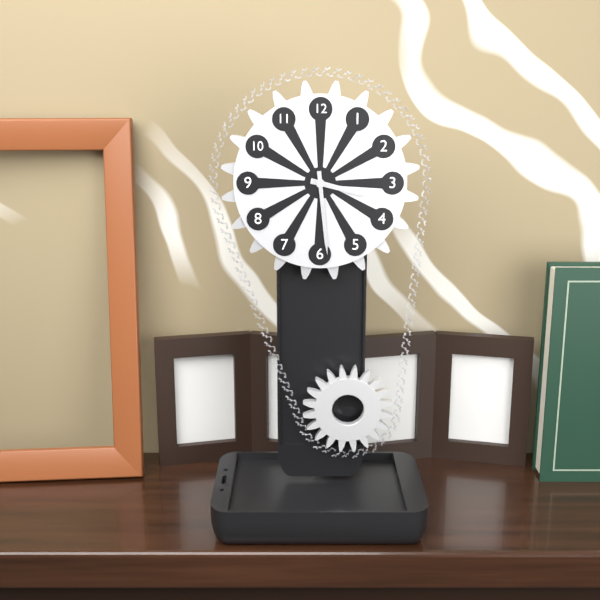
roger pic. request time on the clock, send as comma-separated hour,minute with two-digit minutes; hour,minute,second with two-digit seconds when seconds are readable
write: 3,29
